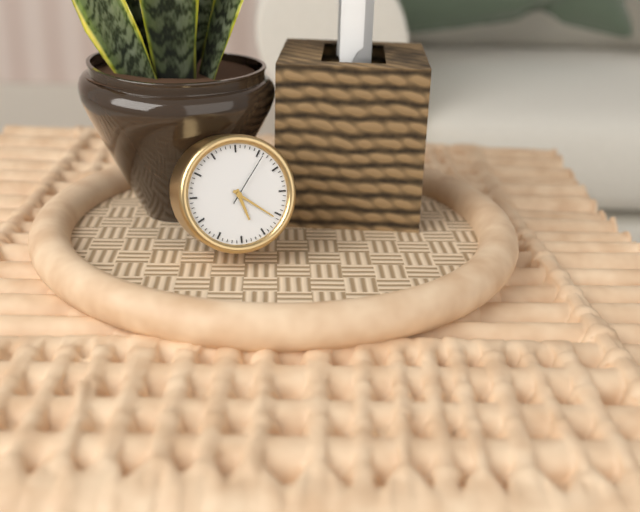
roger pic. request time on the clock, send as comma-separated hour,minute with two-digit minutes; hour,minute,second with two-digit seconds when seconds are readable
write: 5,21,06
